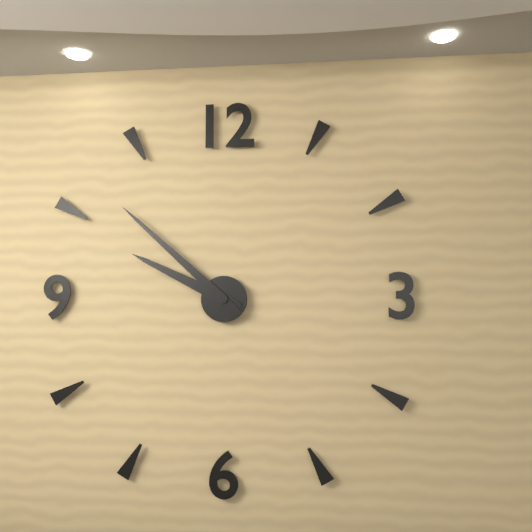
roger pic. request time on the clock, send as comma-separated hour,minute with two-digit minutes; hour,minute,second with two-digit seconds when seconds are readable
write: 9,52
